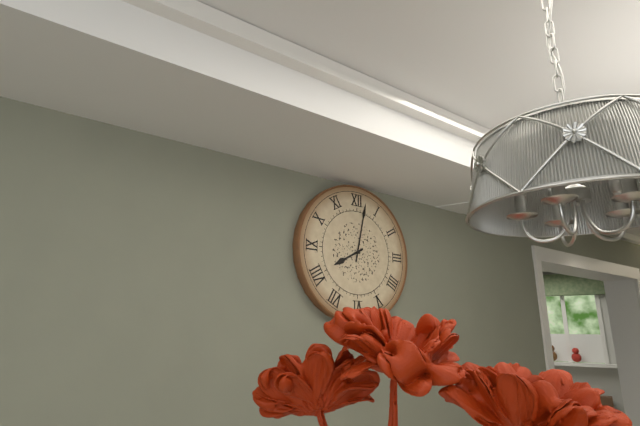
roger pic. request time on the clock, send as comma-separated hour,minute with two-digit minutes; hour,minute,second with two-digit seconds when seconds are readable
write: 8,02
